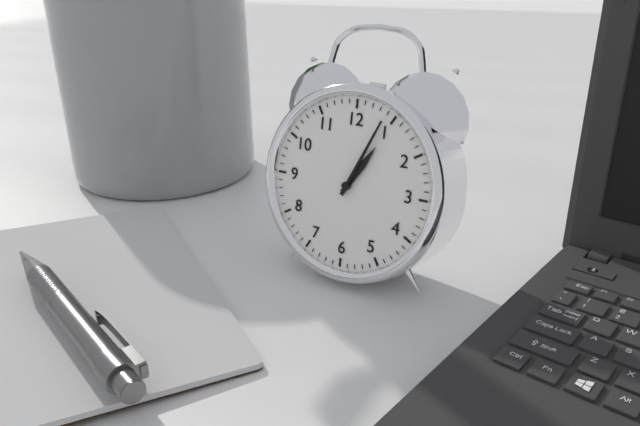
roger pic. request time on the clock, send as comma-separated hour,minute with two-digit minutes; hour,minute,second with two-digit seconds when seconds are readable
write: 1,04
